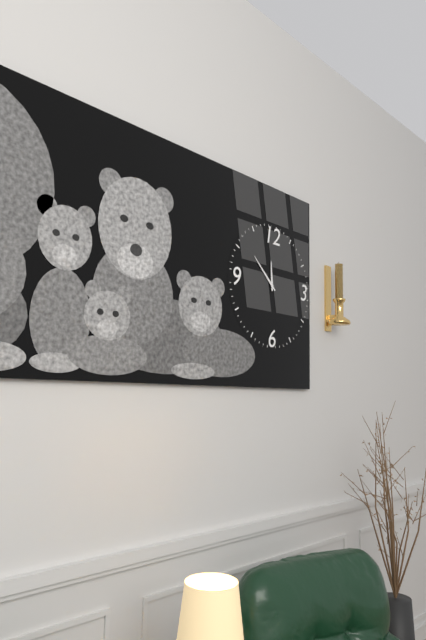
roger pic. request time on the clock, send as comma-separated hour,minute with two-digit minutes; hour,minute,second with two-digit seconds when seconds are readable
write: 11,52
